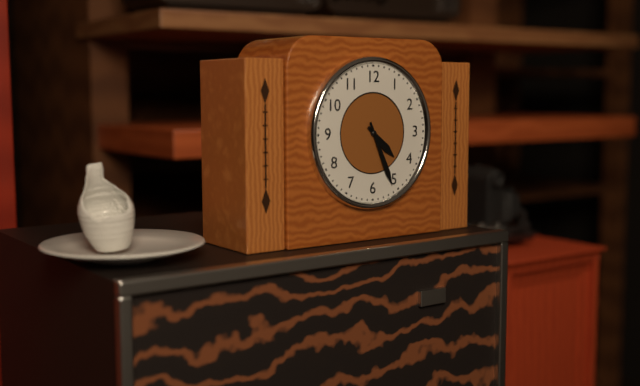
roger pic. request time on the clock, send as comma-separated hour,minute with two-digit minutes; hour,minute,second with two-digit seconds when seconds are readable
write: 4,26
